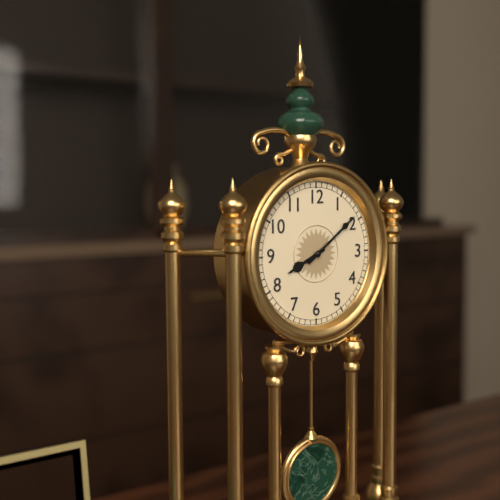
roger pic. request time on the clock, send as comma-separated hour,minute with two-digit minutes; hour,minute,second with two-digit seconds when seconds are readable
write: 8,09
